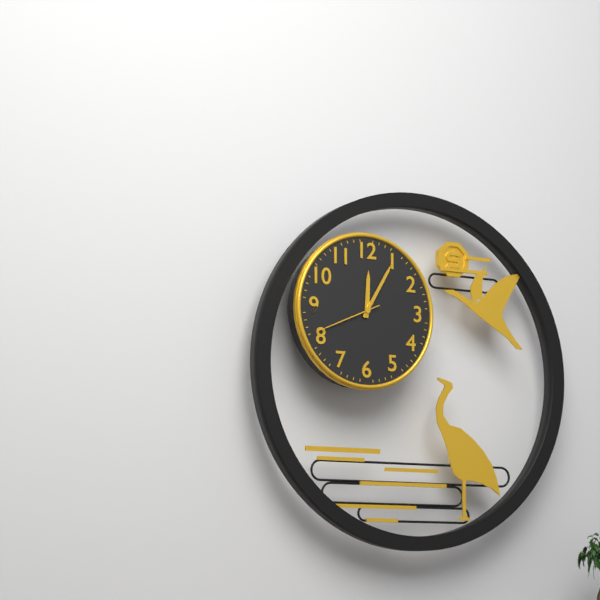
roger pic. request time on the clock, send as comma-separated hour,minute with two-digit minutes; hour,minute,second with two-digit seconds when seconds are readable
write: 12,05,41
